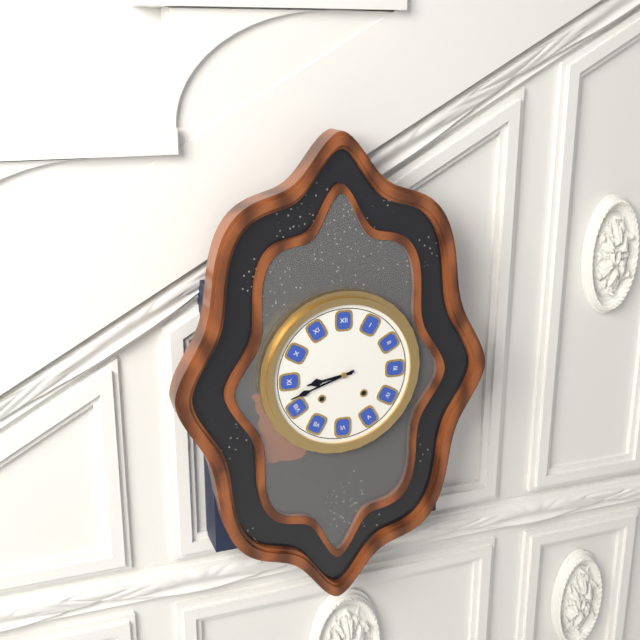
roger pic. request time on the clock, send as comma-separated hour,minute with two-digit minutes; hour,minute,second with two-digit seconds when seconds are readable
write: 8,42
